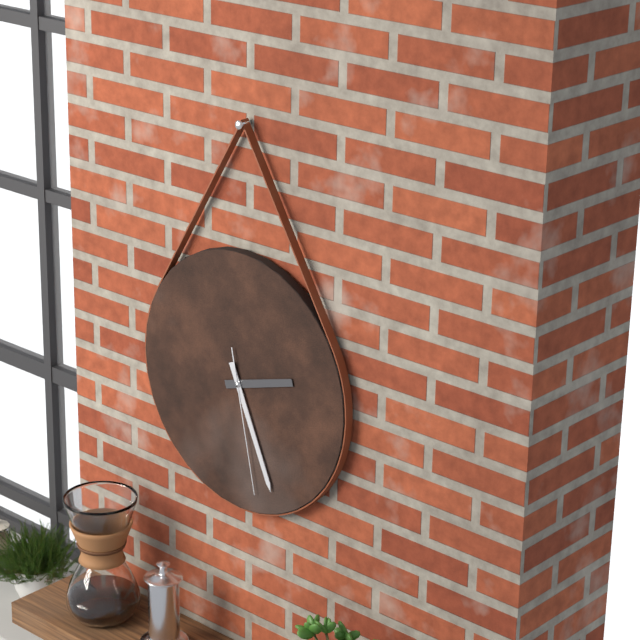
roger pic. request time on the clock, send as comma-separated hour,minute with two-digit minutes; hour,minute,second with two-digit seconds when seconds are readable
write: 2,26,28
